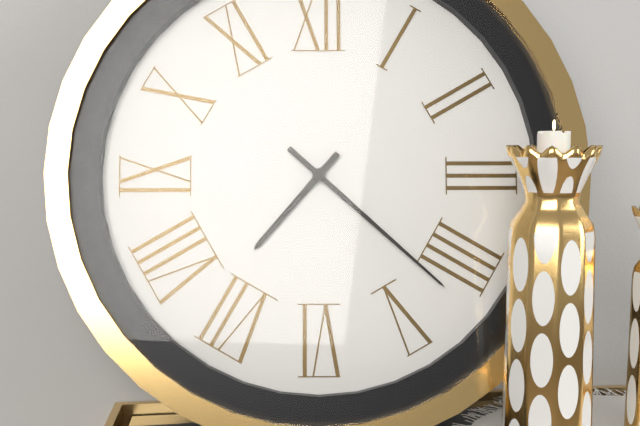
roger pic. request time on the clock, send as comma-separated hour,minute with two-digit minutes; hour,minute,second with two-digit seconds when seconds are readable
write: 7,22
